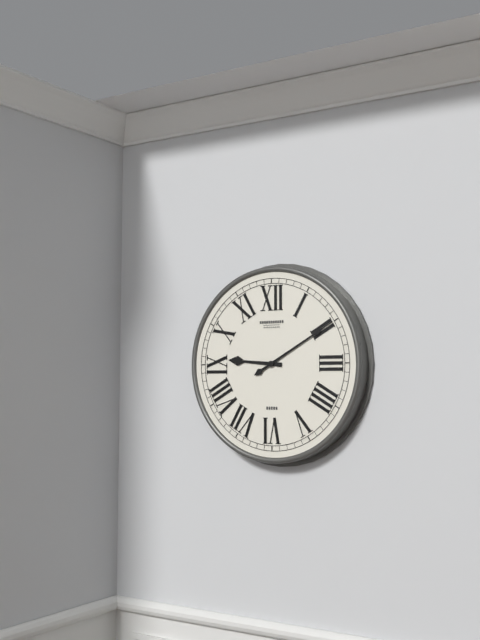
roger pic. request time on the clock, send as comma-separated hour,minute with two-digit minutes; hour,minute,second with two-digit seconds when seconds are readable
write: 9,10
